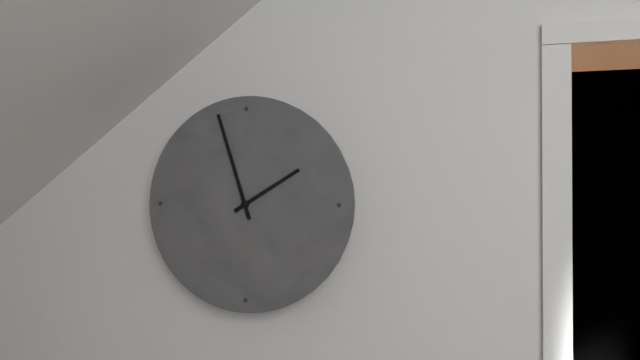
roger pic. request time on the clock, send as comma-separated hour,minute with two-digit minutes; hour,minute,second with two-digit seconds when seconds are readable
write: 1,57
